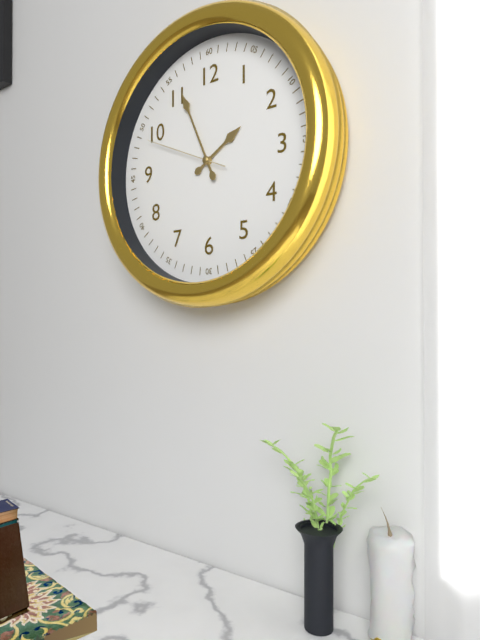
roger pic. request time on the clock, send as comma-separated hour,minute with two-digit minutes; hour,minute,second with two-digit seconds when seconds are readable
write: 1,56,49
